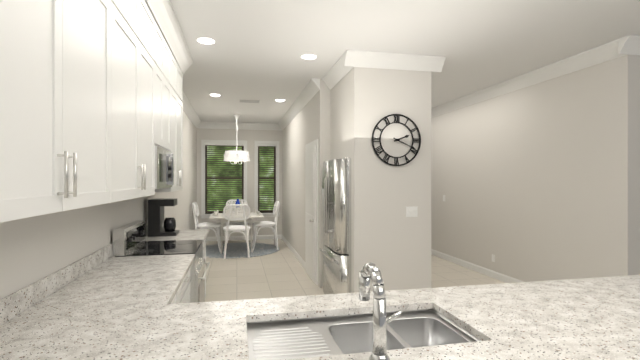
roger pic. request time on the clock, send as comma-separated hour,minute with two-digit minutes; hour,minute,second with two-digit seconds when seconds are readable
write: 2,19
